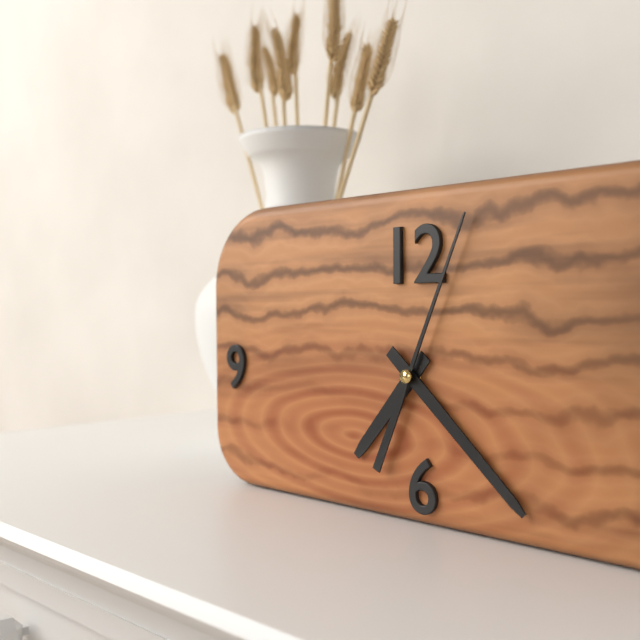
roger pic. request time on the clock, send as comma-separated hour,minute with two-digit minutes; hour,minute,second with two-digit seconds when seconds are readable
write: 7,22,04
